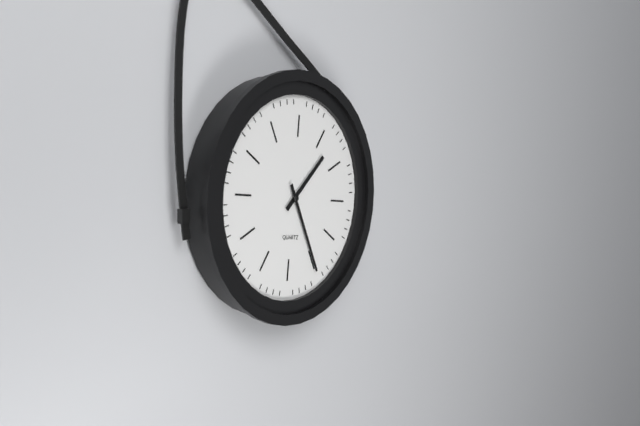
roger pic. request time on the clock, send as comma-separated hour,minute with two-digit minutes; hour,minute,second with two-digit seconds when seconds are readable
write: 1,25
